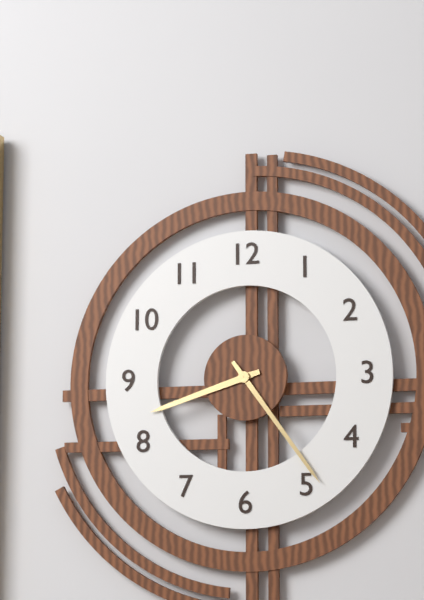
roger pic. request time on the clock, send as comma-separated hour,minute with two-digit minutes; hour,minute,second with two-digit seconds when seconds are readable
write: 8,24
